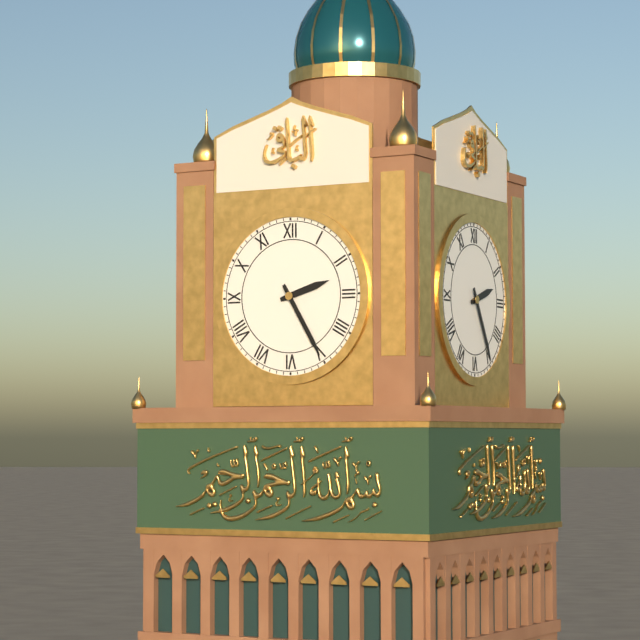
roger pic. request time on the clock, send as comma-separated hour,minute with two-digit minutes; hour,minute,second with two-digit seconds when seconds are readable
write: 2,25
